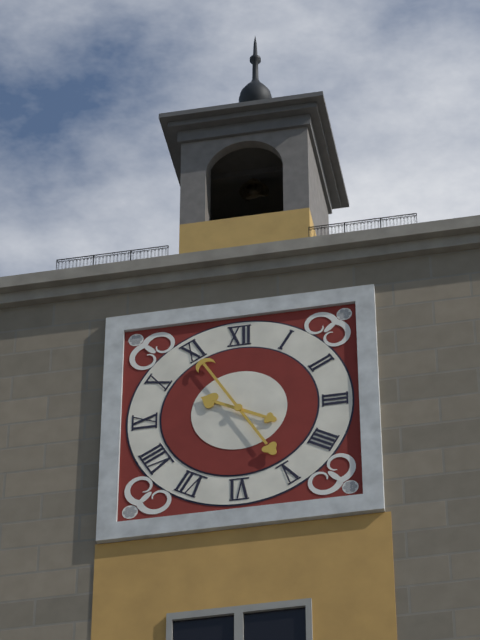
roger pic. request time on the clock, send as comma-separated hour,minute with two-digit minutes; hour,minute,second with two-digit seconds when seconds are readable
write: 9,55
